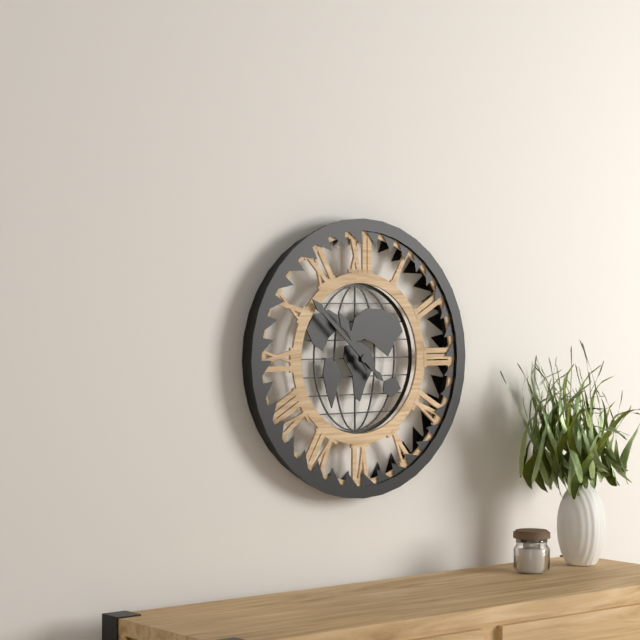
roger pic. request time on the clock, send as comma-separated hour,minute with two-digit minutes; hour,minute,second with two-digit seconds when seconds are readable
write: 10,52
